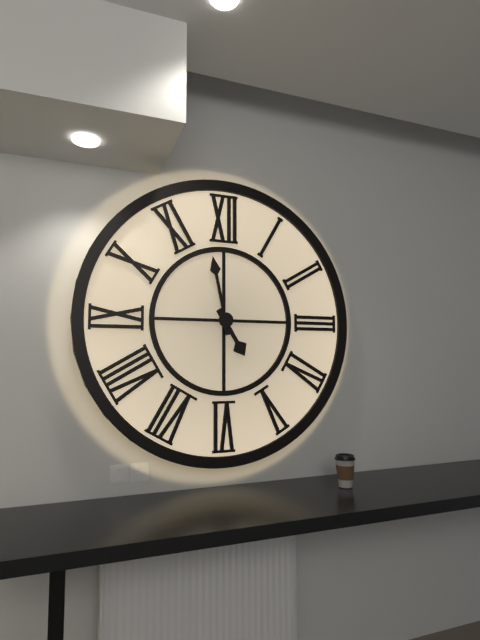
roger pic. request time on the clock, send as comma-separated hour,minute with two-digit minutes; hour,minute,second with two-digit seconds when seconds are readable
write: 4,58
